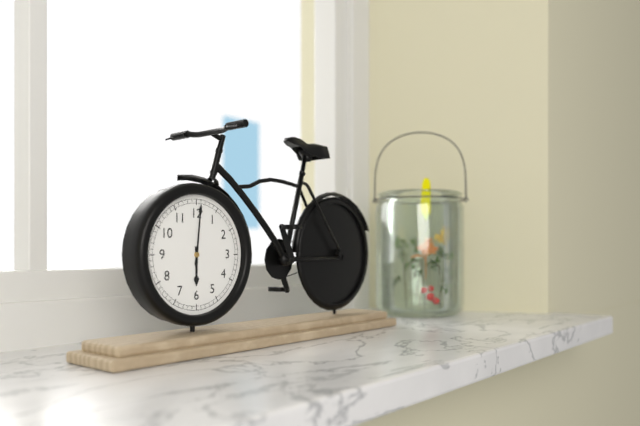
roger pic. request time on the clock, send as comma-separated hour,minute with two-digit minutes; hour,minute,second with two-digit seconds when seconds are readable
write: 6,01
